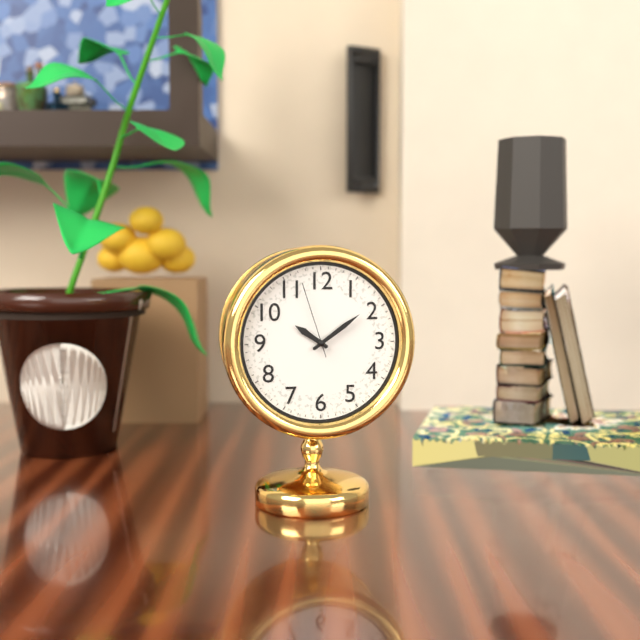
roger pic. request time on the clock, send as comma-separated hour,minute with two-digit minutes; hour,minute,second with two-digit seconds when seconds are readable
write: 10,09,57
